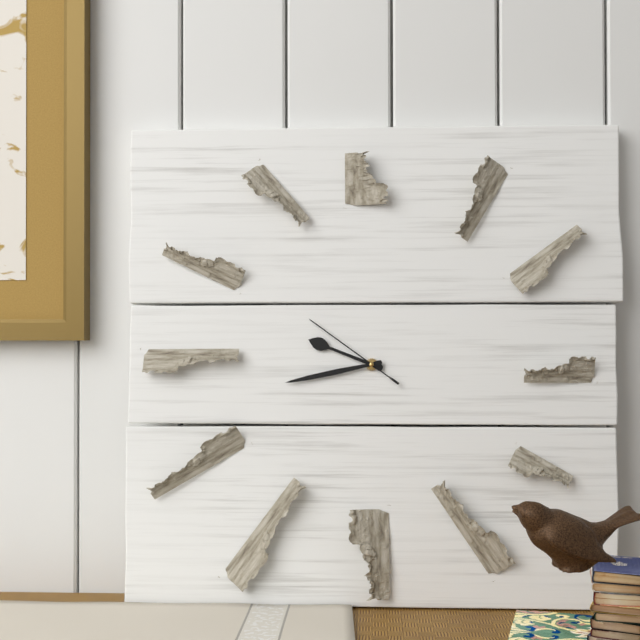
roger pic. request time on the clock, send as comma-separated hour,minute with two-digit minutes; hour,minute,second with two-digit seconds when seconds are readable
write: 9,43,51
